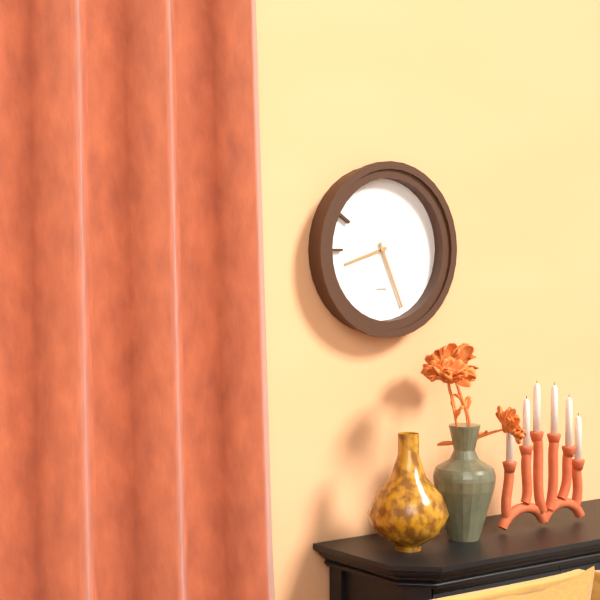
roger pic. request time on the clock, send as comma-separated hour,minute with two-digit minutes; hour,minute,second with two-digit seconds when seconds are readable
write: 8,26
